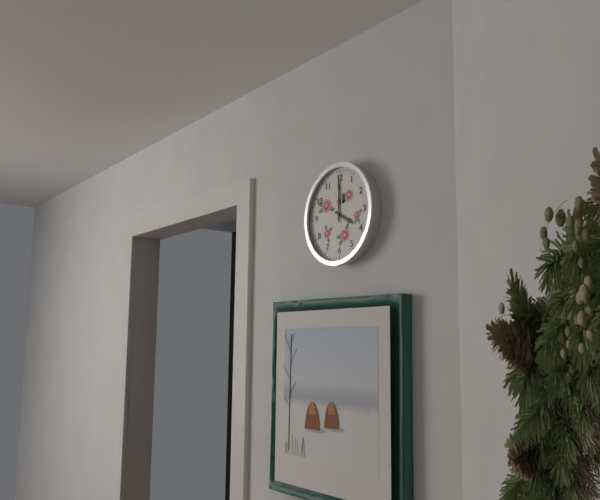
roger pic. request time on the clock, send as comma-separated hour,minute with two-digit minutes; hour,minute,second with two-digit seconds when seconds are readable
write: 4,00
